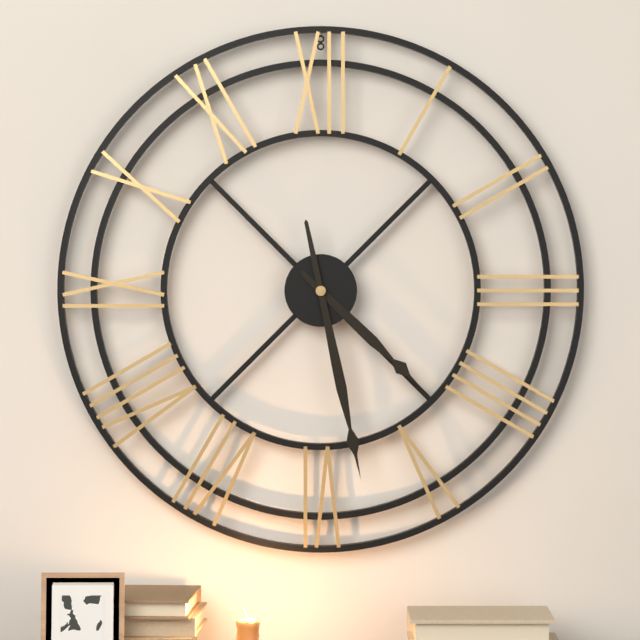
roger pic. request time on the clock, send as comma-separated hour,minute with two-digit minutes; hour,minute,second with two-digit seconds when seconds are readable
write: 4,28
